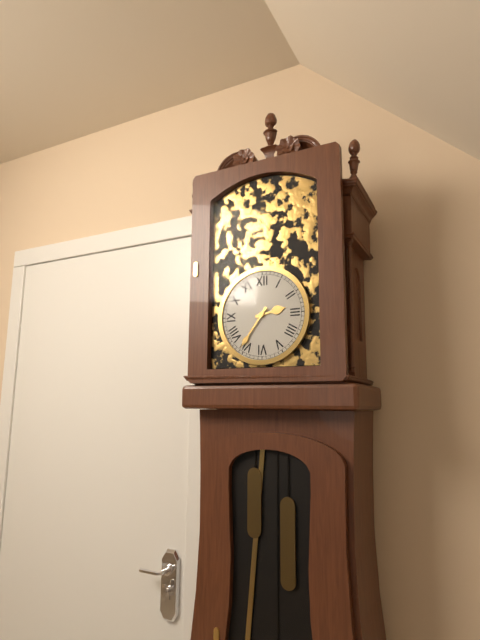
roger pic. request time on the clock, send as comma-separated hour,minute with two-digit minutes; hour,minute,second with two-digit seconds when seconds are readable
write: 2,36
